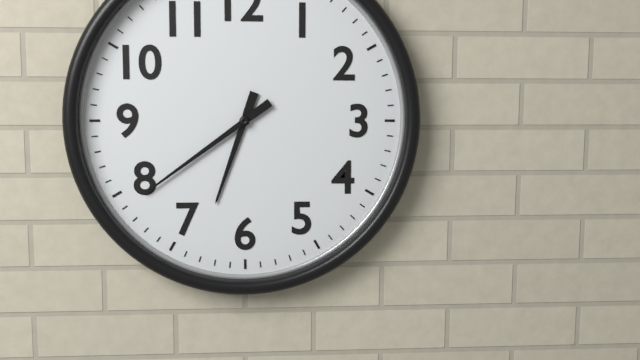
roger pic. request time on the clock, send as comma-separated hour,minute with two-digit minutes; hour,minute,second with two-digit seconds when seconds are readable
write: 6,39
